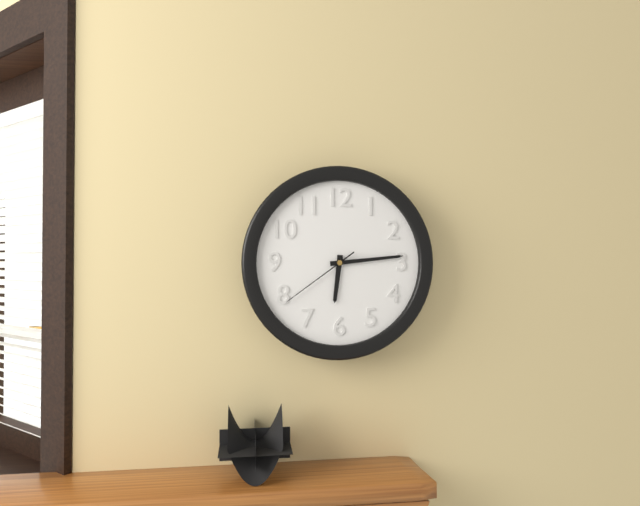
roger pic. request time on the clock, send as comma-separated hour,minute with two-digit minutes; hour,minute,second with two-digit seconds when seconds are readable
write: 6,14,39
